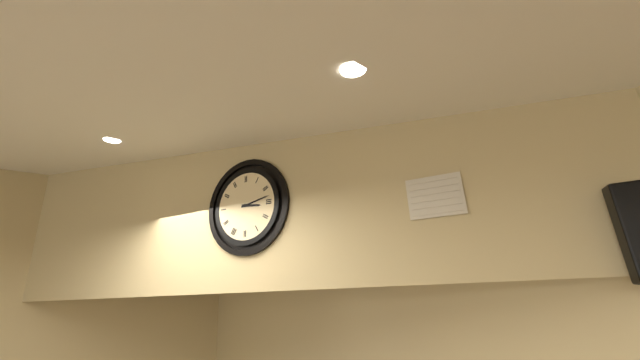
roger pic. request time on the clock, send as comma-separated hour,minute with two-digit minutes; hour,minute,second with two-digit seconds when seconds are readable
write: 3,13
